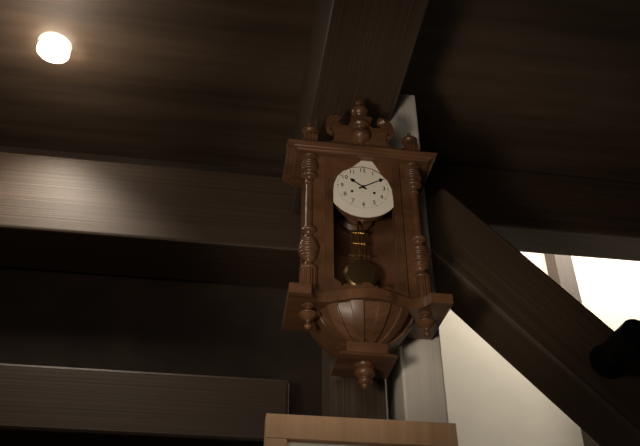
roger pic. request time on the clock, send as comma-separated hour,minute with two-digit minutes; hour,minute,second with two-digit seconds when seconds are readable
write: 10,10
